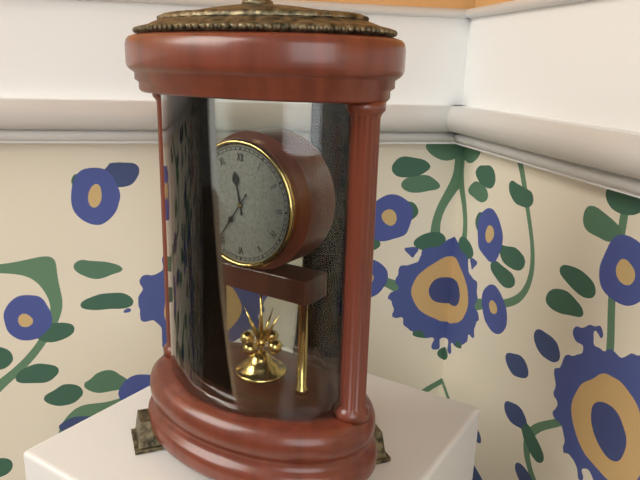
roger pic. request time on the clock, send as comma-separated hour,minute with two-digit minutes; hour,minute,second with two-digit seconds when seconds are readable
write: 11,36
